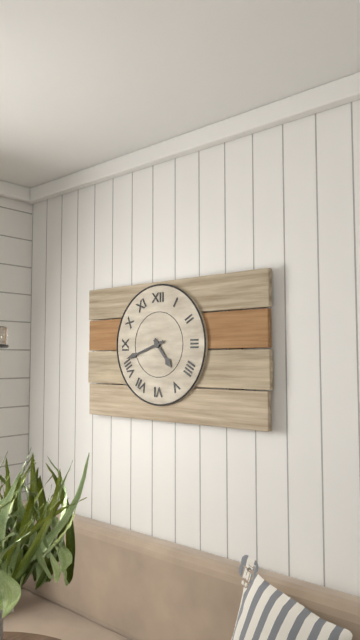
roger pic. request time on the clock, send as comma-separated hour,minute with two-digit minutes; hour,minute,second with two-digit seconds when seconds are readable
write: 4,42
